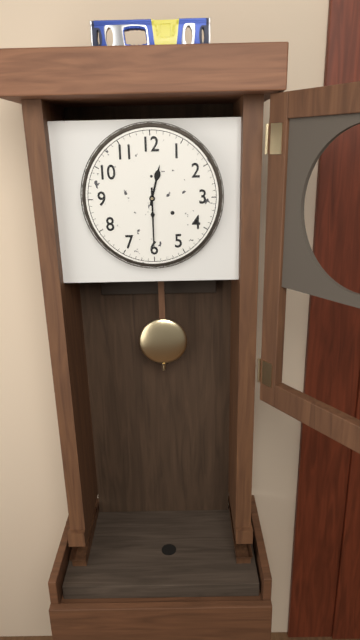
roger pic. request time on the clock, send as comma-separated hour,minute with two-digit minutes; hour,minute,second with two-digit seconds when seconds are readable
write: 12,30
